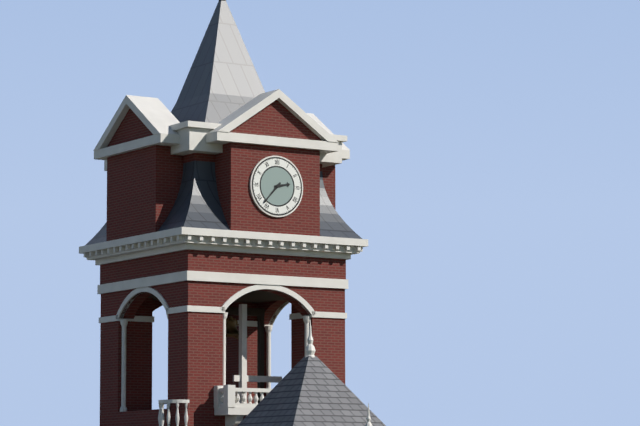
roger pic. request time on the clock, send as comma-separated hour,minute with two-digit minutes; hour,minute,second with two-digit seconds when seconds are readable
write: 2,37
